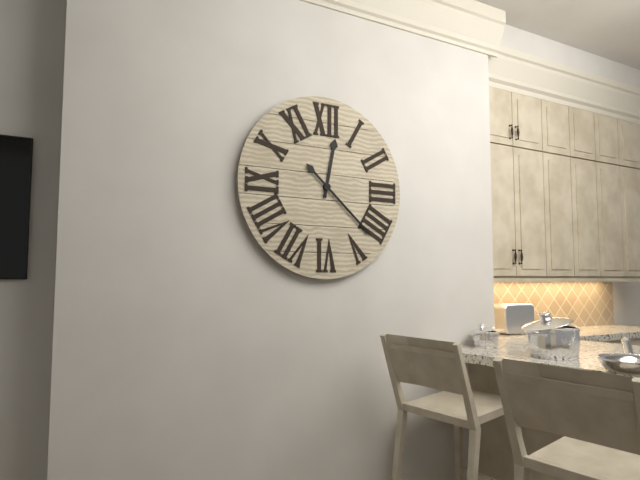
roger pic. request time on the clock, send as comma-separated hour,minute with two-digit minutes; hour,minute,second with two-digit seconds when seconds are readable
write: 12,22
